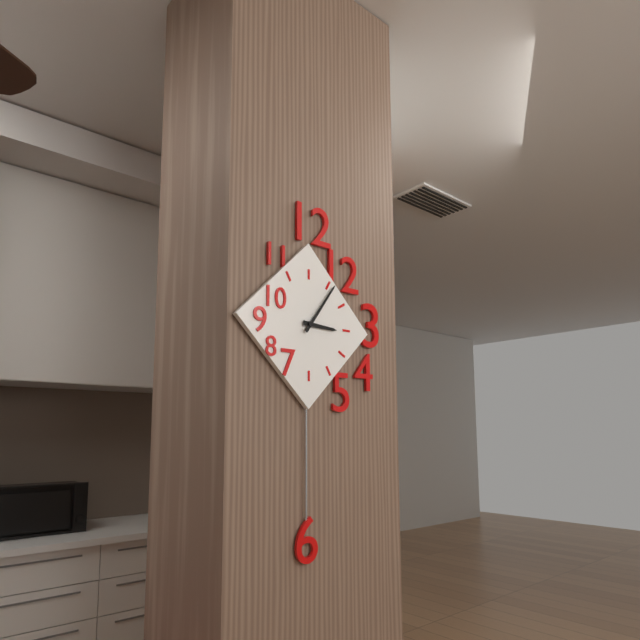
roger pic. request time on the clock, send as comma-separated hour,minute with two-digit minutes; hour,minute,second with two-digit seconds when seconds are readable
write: 3,06
